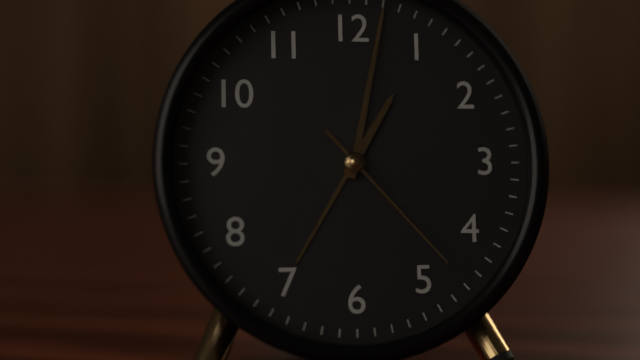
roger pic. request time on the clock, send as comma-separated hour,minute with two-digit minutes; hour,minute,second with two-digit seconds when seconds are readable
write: 1,02,23
